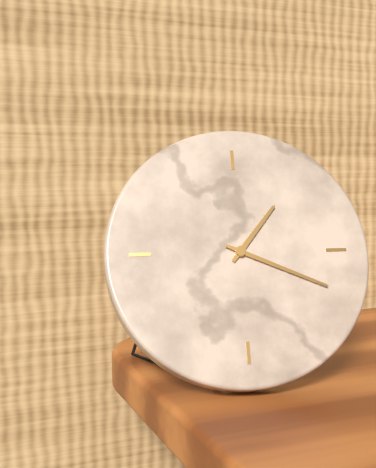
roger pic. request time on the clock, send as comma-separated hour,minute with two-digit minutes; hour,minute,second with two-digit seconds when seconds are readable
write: 1,19
